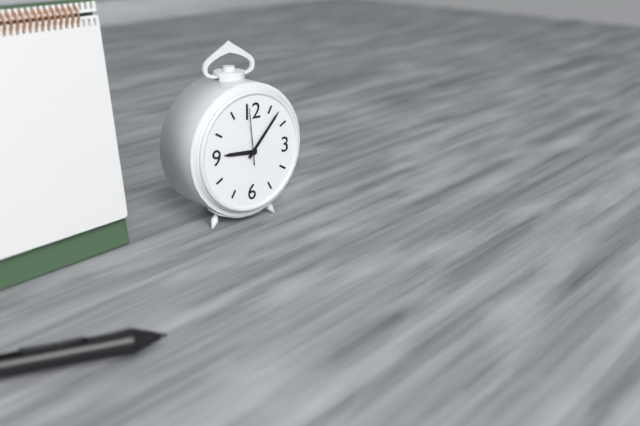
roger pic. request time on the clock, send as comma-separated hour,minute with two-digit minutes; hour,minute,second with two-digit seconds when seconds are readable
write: 9,07,59
